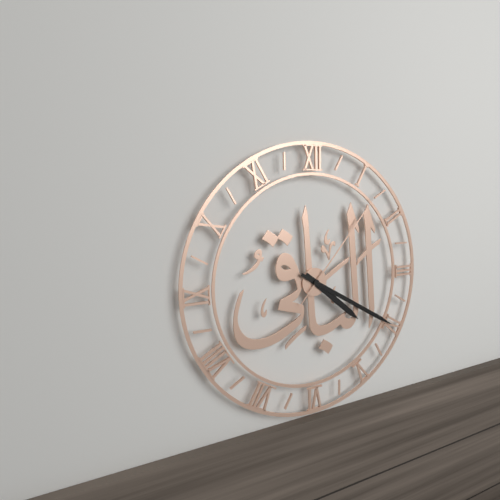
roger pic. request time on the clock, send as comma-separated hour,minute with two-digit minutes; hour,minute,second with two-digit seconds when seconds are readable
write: 4,20,07
